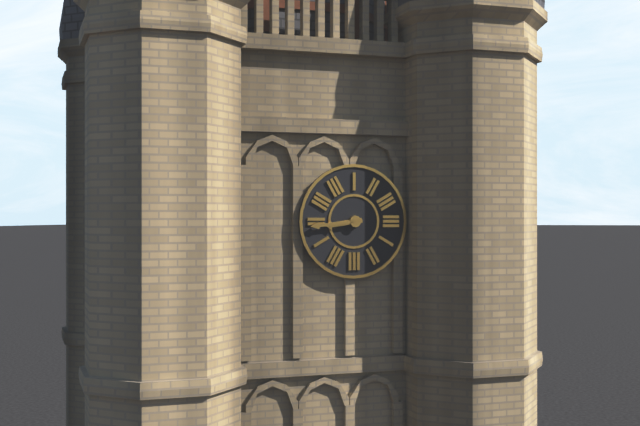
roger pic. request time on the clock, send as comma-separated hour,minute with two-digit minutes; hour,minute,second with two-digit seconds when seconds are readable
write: 8,44
